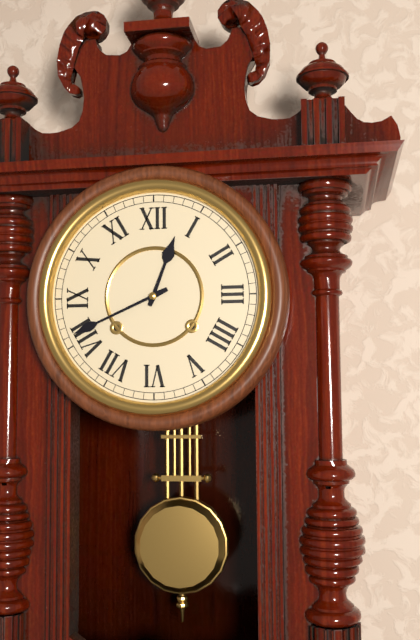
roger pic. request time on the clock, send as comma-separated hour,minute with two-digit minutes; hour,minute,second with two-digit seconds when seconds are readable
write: 12,41
